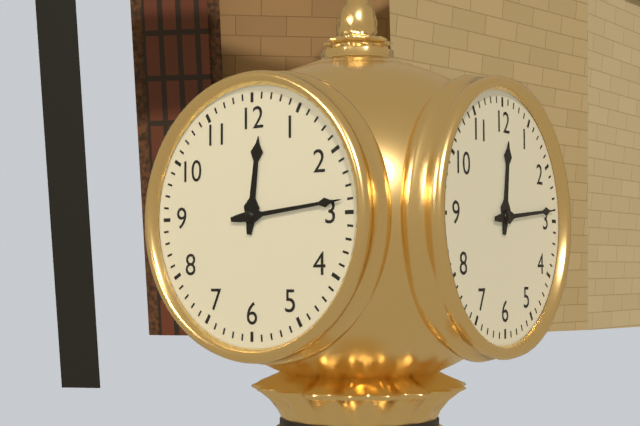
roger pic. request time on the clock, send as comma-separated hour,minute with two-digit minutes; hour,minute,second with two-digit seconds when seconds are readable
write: 12,14
